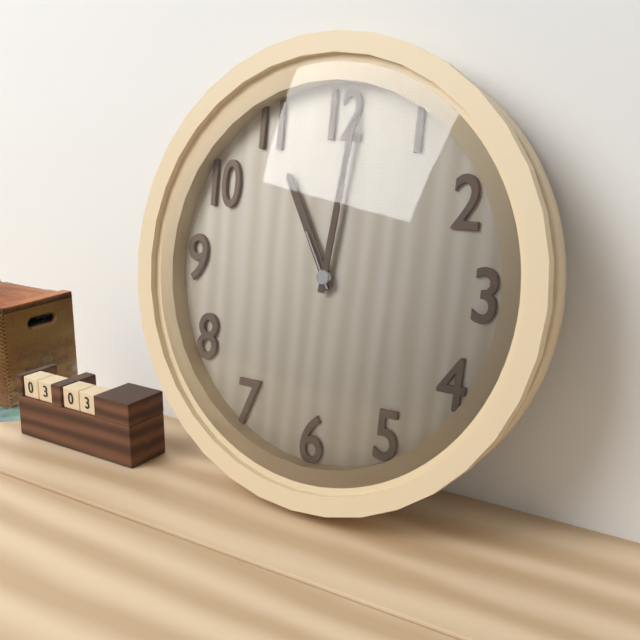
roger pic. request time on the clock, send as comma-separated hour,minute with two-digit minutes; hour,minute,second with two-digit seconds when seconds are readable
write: 11,01,55
